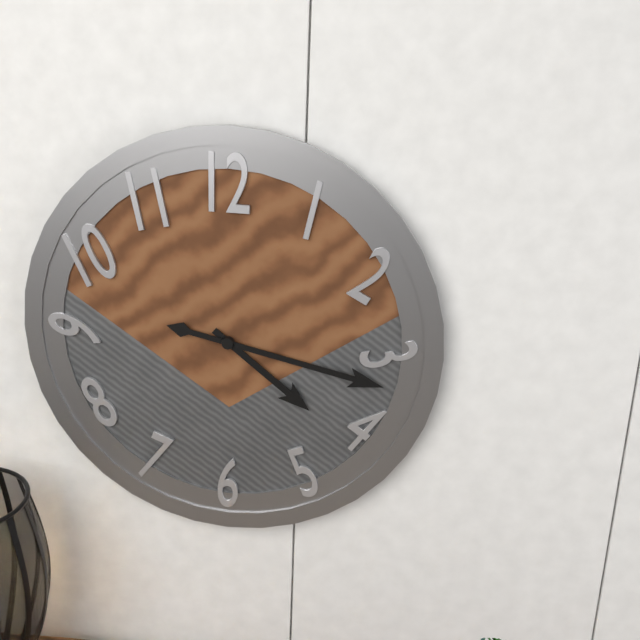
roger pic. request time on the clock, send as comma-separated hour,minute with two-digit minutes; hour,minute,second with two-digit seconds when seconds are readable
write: 4,17
